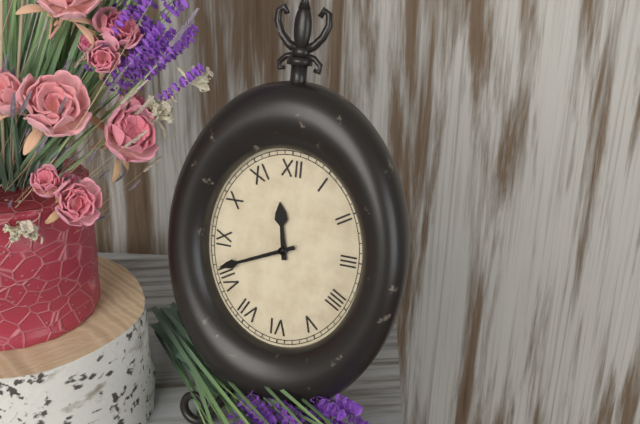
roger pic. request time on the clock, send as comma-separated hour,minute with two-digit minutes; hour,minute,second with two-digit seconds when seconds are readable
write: 11,41
